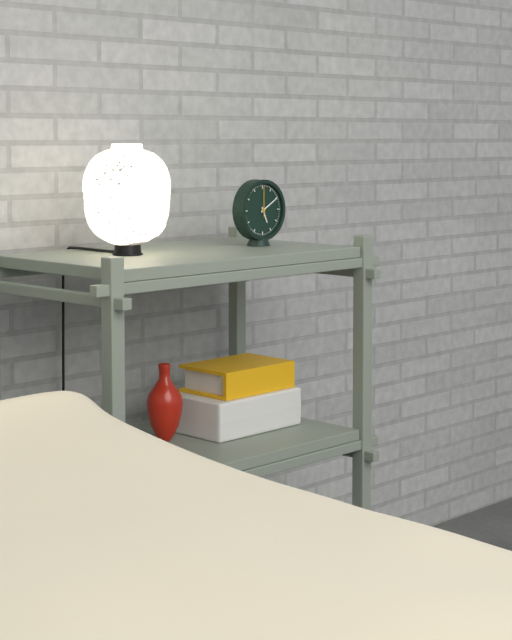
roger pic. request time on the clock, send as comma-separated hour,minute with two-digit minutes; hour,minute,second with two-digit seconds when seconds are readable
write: 5,10
